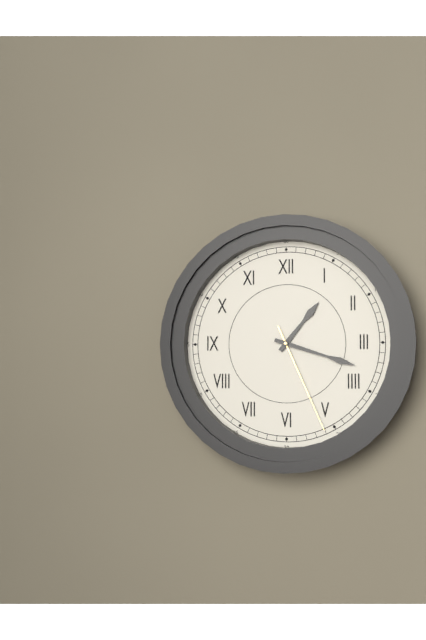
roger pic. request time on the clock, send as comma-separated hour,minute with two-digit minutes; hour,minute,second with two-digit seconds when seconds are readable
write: 1,18,26
